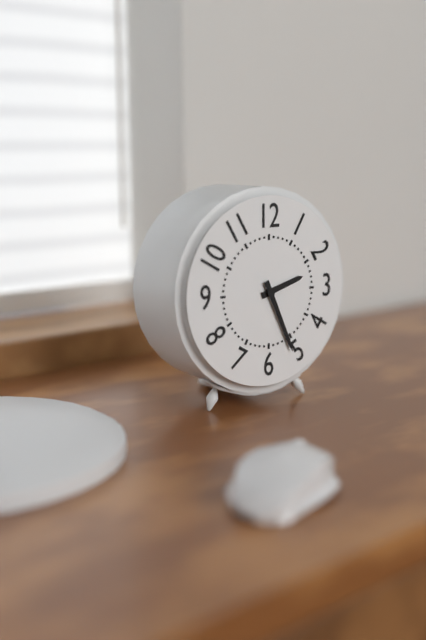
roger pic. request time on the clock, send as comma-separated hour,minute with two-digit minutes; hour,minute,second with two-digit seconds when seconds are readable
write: 2,26
